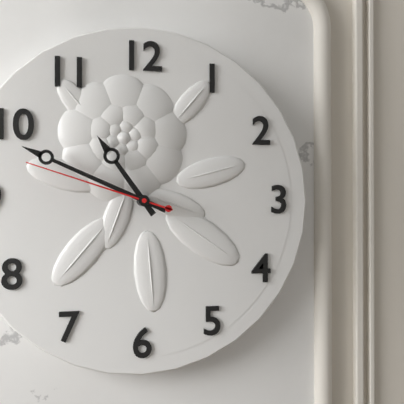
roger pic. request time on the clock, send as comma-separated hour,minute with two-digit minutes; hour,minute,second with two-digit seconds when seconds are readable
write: 10,49,48
